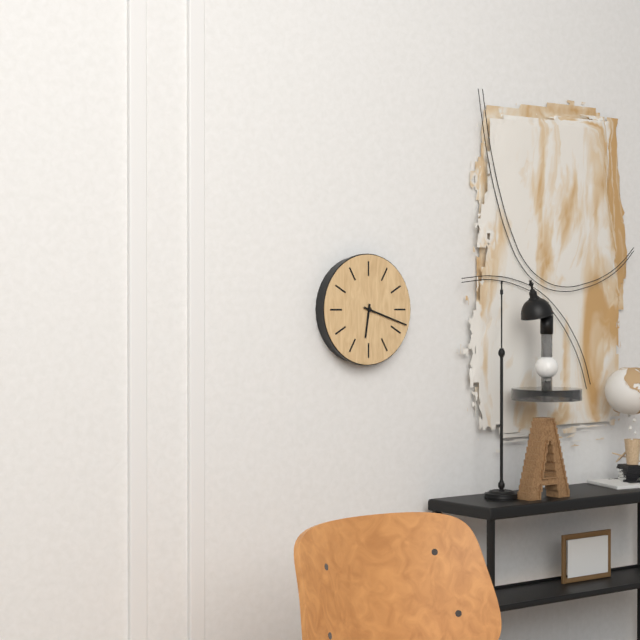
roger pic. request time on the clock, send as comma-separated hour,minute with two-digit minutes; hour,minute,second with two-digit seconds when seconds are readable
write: 6,18
